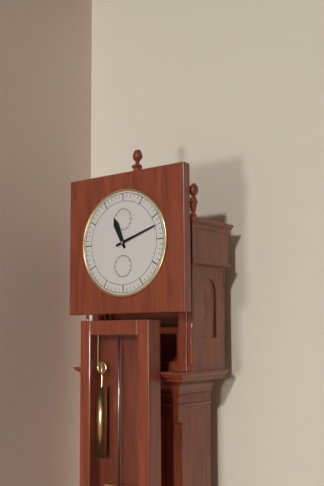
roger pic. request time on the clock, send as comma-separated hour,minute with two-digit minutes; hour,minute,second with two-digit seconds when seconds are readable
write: 11,12
